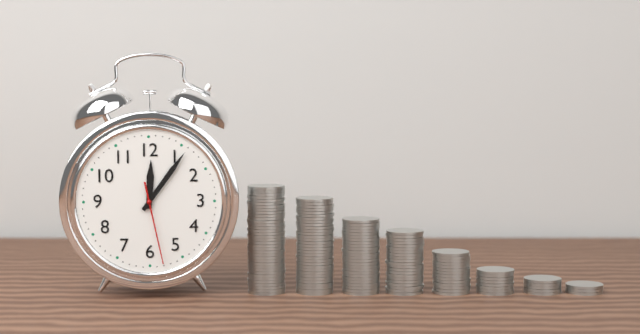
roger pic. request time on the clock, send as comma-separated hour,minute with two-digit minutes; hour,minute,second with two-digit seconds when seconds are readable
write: 12,06,28
